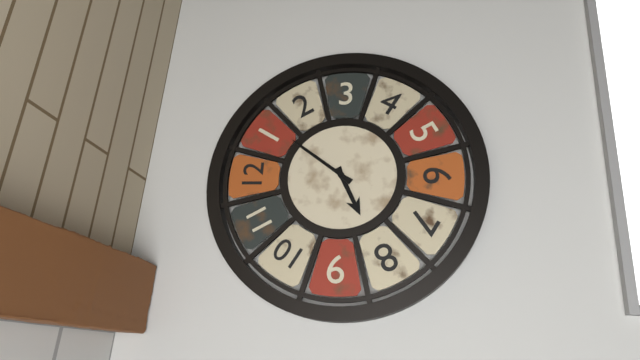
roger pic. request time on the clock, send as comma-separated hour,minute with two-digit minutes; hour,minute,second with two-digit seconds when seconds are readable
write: 8,06
